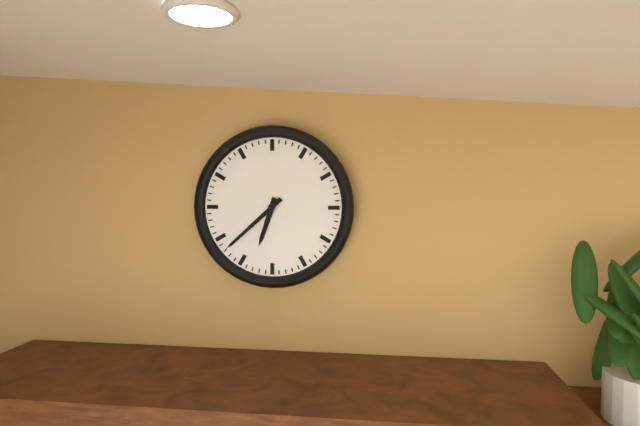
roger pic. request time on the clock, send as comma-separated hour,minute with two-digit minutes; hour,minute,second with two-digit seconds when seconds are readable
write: 6,38
